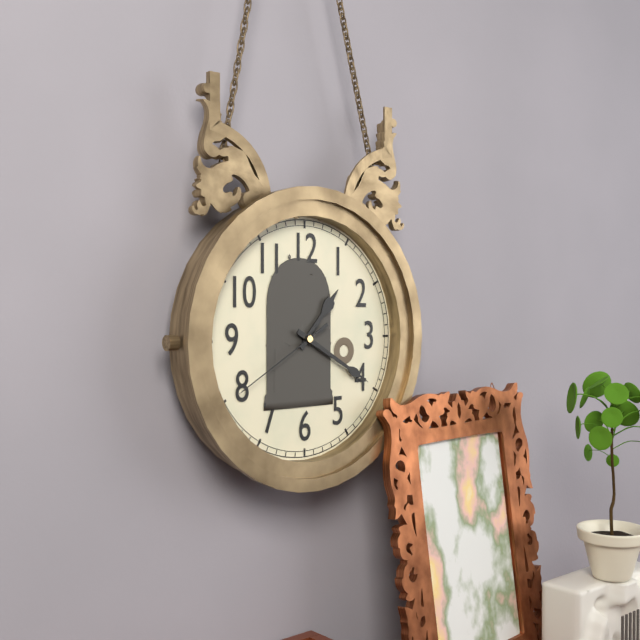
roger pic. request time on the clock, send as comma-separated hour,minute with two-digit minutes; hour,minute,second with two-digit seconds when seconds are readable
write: 1,20,40
